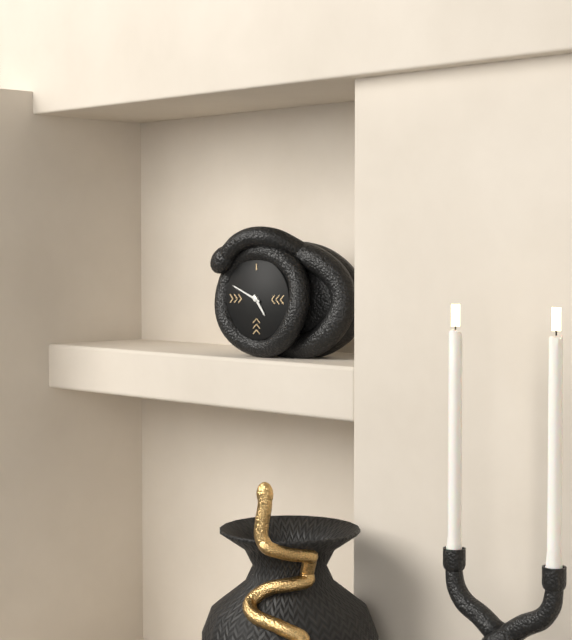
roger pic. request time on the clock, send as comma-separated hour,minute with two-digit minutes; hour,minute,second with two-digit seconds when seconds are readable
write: 4,49
